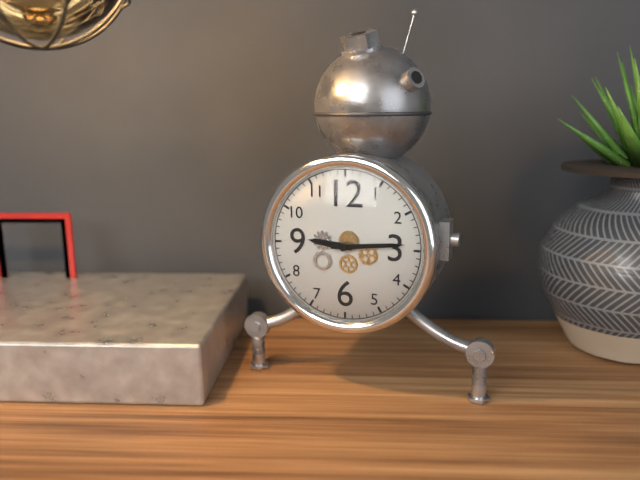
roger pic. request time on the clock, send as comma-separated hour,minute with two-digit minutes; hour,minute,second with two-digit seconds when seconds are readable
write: 9,14
